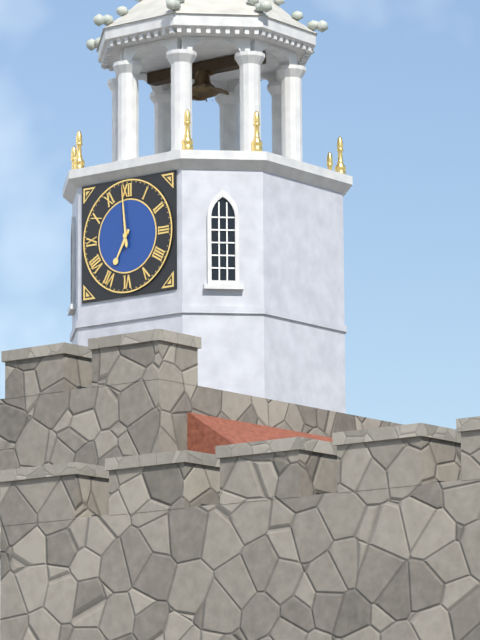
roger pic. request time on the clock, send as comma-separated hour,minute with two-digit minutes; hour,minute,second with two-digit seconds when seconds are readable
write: 6,59
